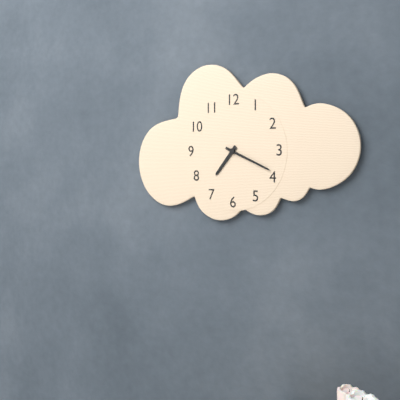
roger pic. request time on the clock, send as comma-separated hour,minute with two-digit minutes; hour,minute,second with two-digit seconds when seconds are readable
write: 7,19
